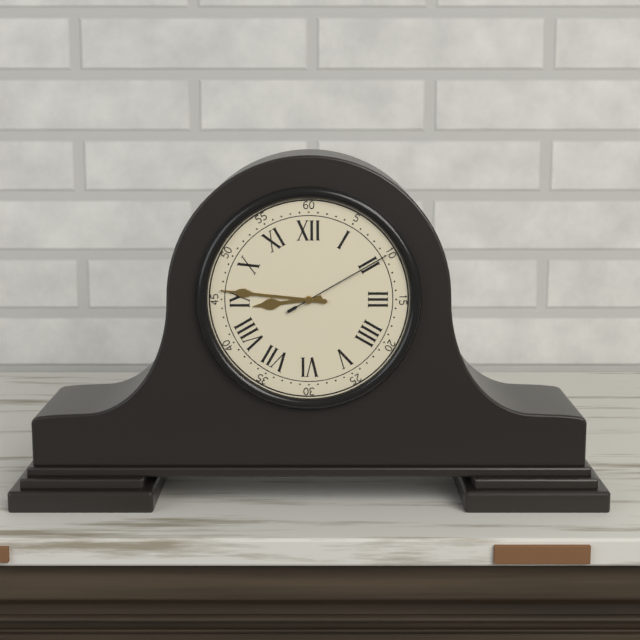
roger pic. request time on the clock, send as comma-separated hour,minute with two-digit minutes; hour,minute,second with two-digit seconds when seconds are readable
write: 8,46,10
